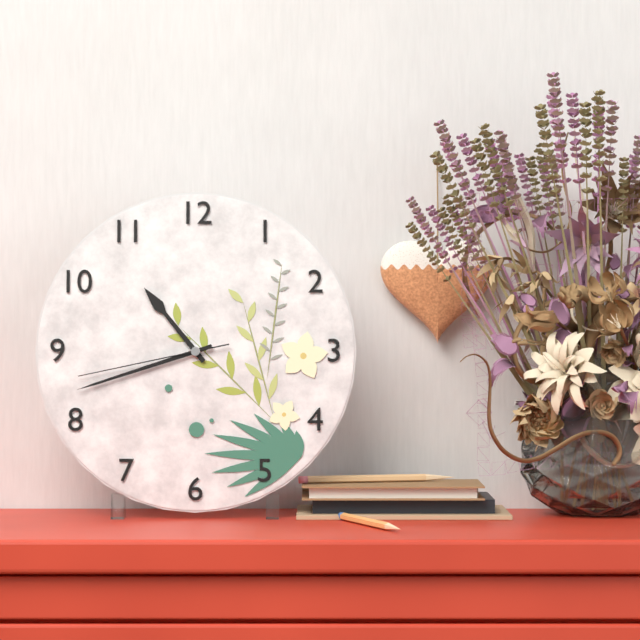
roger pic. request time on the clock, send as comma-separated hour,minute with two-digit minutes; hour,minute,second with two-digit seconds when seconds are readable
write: 10,42,43
